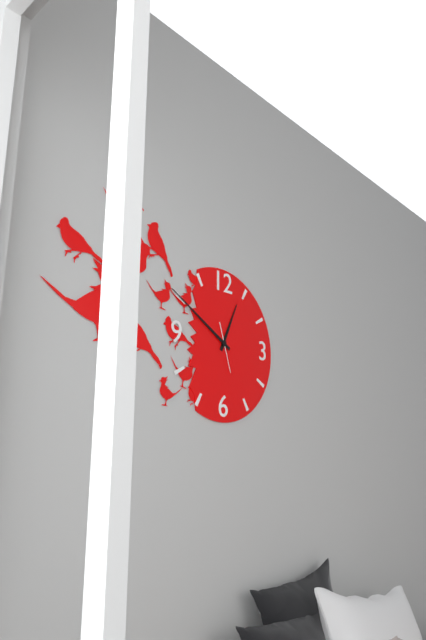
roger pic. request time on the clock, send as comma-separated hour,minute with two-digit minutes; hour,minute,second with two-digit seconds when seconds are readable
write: 12,50
